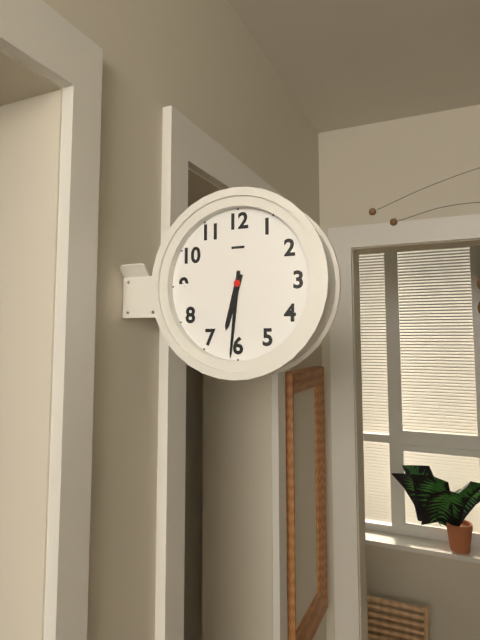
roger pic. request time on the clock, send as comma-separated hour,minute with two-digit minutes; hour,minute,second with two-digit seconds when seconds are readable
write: 6,31
